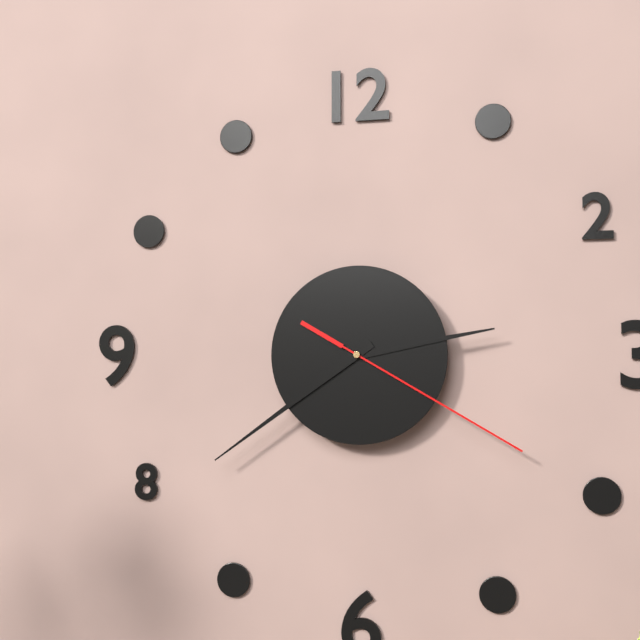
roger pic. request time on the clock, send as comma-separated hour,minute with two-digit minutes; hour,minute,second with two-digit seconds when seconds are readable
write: 2,39,20
